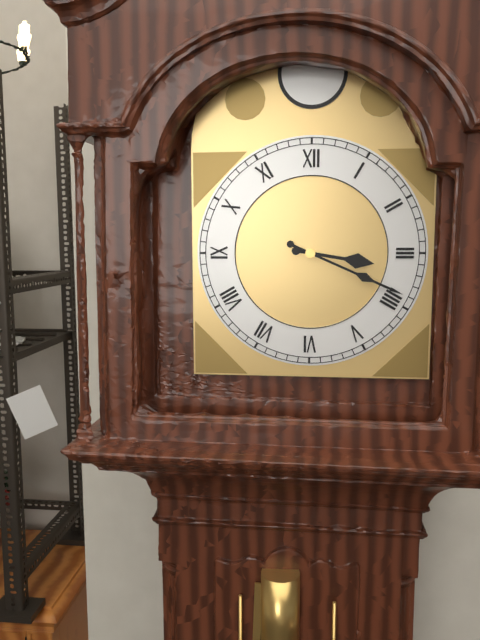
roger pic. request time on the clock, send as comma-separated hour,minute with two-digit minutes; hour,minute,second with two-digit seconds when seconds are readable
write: 3,19
